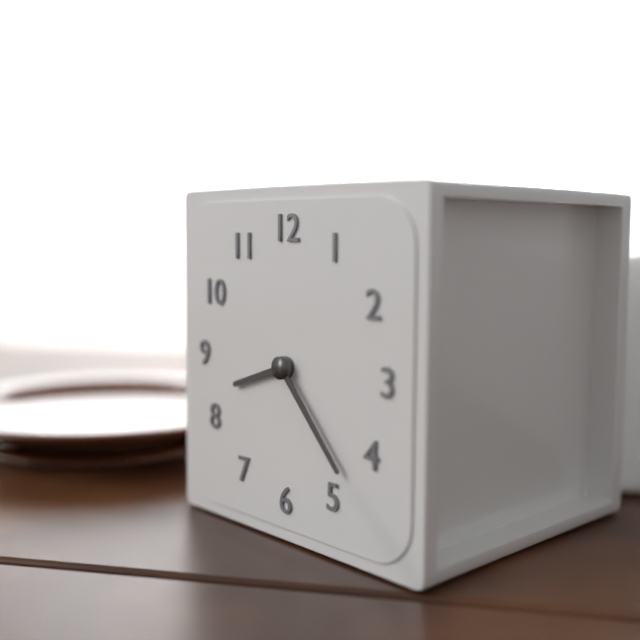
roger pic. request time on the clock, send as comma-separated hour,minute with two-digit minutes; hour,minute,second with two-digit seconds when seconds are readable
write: 8,23
